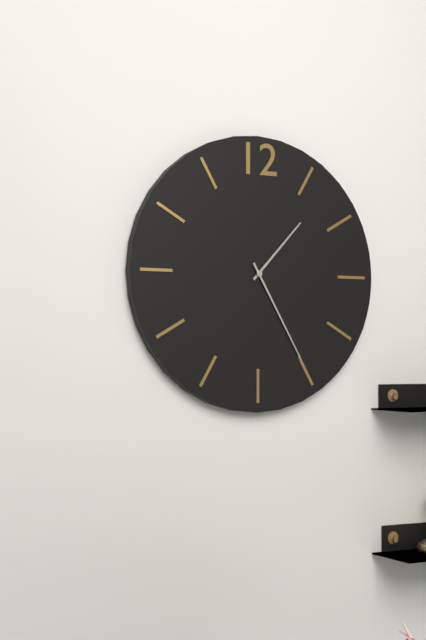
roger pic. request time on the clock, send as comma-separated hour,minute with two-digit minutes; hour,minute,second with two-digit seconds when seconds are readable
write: 1,25
